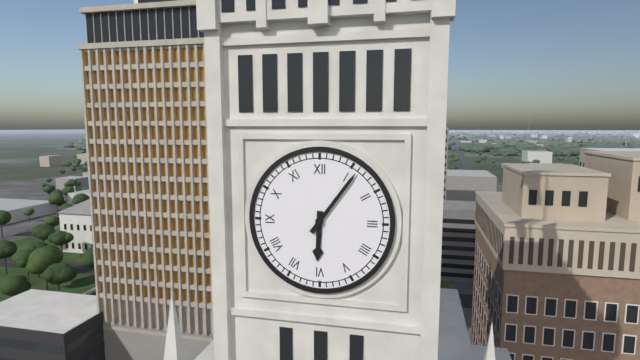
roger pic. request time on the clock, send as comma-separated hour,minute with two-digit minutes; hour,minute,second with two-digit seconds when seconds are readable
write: 6,06
